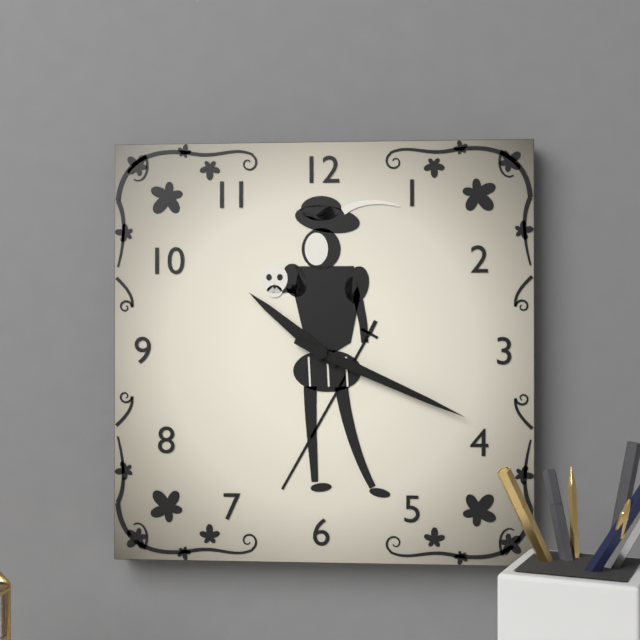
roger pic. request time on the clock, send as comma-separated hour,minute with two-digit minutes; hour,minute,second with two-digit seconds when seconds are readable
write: 10,19
